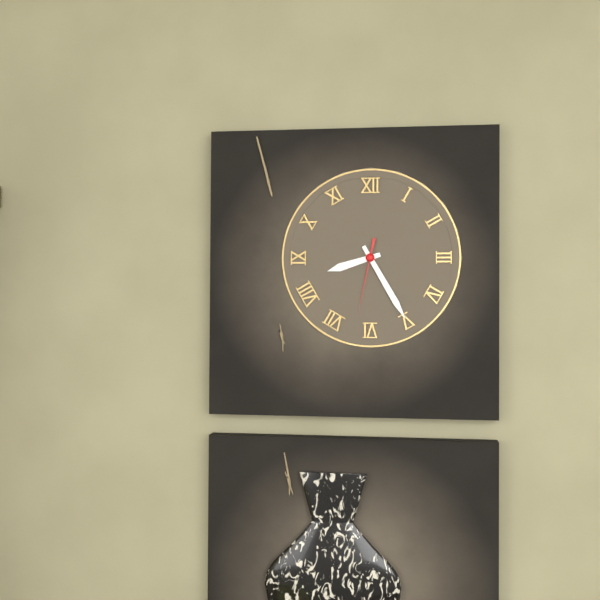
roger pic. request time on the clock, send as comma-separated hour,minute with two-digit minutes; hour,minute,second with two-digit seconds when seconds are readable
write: 8,25,32
